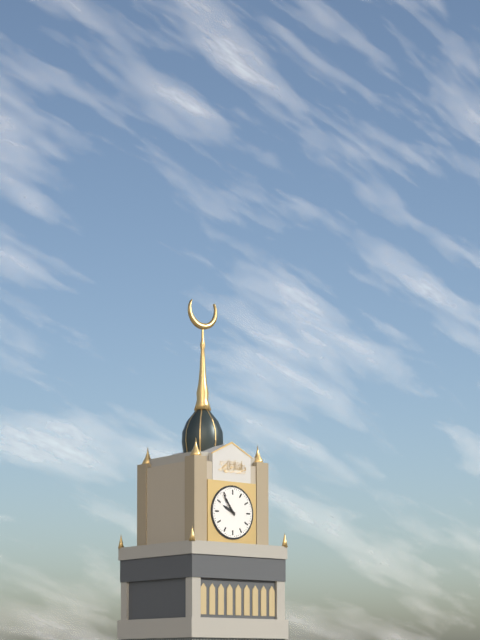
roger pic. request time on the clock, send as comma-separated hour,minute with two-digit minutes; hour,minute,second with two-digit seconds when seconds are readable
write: 9,54
